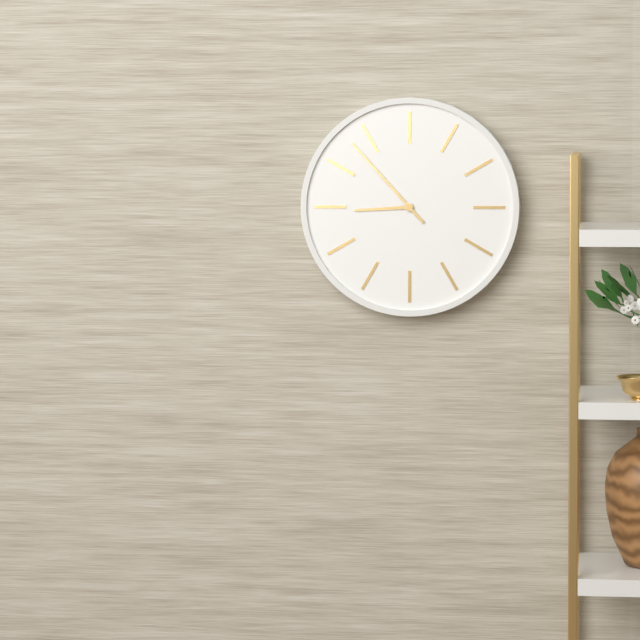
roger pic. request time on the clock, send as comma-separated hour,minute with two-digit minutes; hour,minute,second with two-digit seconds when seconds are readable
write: 8,53
